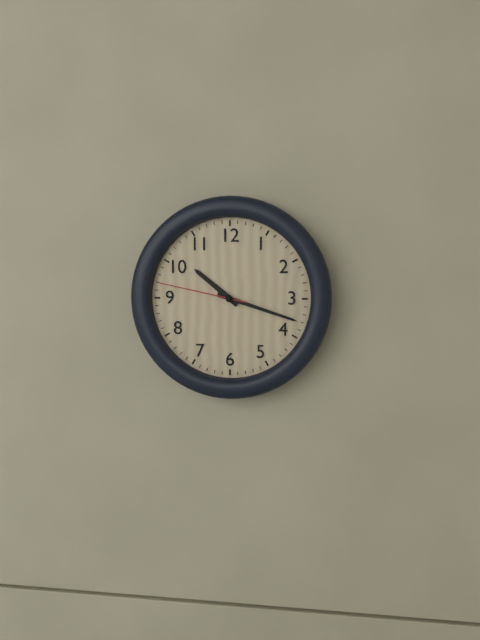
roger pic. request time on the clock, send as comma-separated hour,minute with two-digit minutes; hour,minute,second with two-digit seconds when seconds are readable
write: 10,18,47
